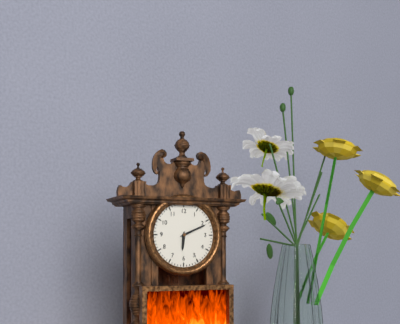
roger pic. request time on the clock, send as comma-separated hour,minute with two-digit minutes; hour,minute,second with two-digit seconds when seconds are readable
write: 6,11
